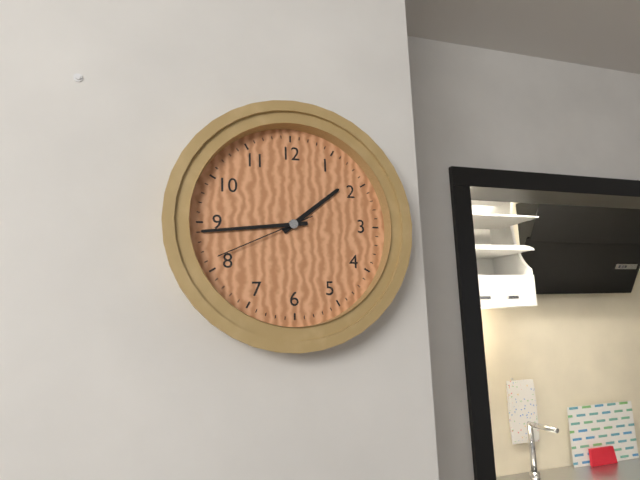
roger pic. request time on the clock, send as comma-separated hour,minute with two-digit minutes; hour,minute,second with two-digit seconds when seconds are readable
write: 1,44,41
